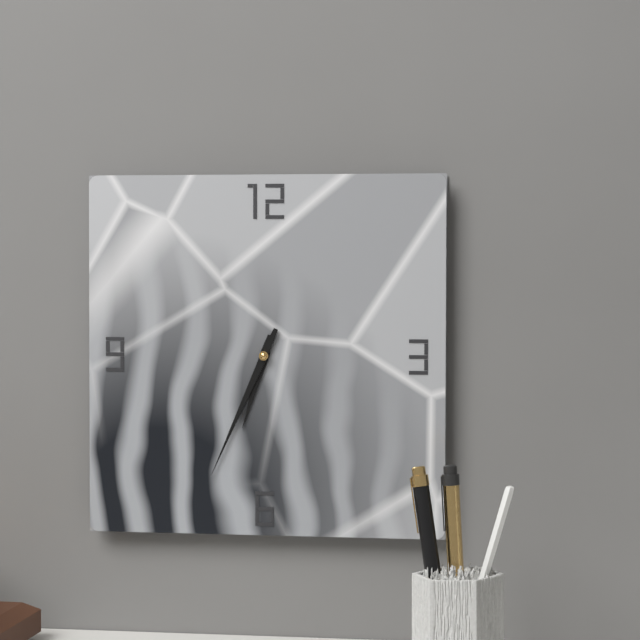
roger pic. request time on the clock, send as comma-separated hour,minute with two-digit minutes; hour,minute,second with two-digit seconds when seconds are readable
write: 6,34
